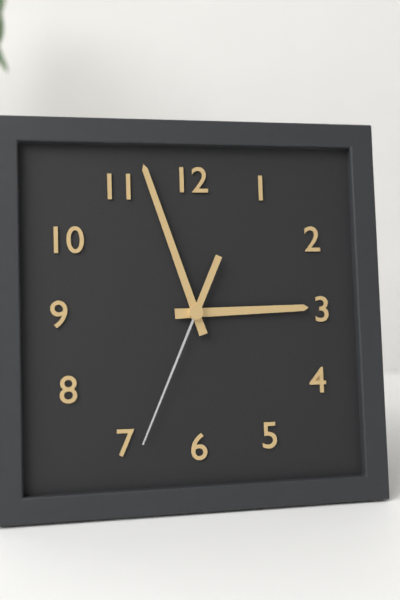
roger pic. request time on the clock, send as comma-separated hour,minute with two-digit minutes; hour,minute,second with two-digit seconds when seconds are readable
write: 2,57,34
